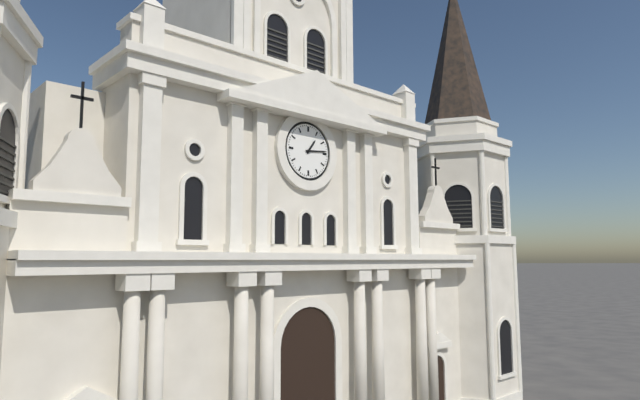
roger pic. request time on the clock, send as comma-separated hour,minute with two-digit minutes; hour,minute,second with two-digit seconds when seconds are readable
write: 1,14
